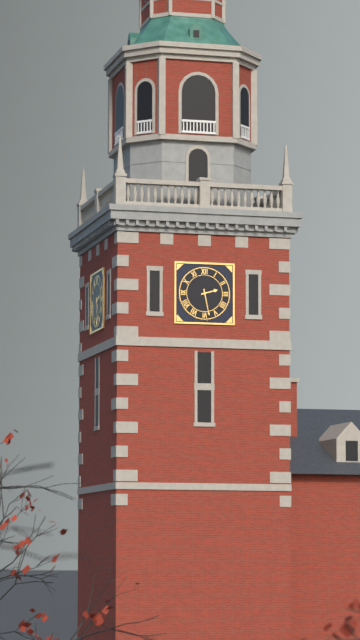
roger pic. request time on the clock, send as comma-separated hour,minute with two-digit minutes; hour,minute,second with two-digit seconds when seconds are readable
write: 2,28
